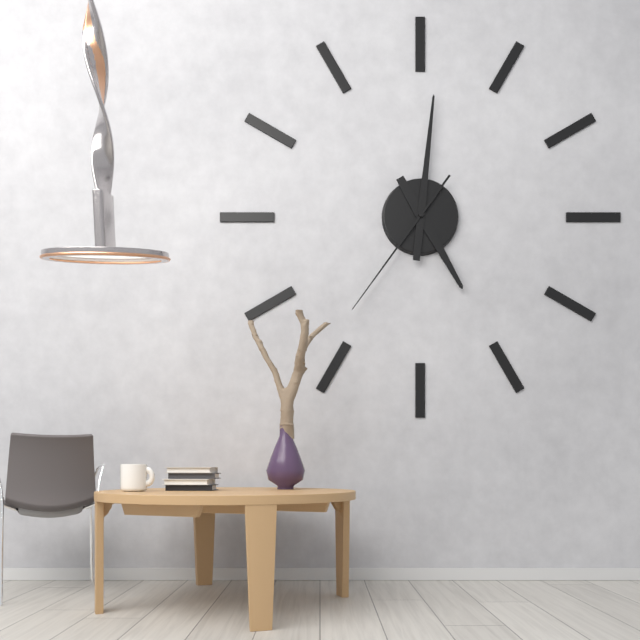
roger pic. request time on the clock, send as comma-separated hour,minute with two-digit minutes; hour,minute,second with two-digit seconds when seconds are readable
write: 5,01,36
